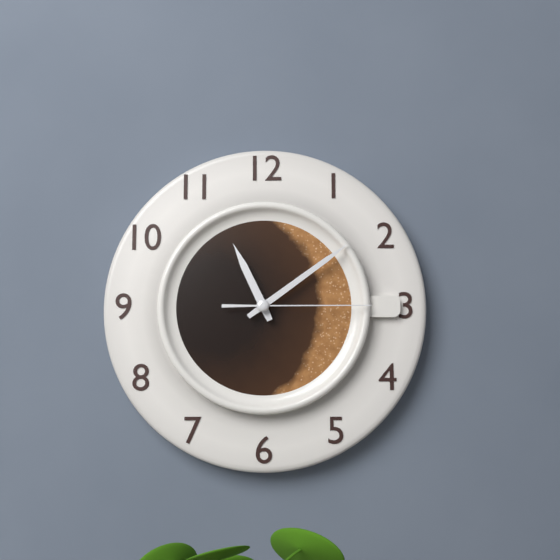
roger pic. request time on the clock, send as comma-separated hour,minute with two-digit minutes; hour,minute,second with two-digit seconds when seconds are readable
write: 11,09,15
